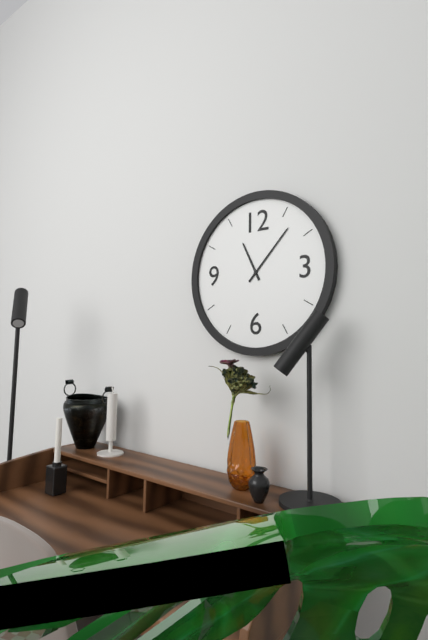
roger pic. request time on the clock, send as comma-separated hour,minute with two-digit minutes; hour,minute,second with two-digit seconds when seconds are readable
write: 11,07
